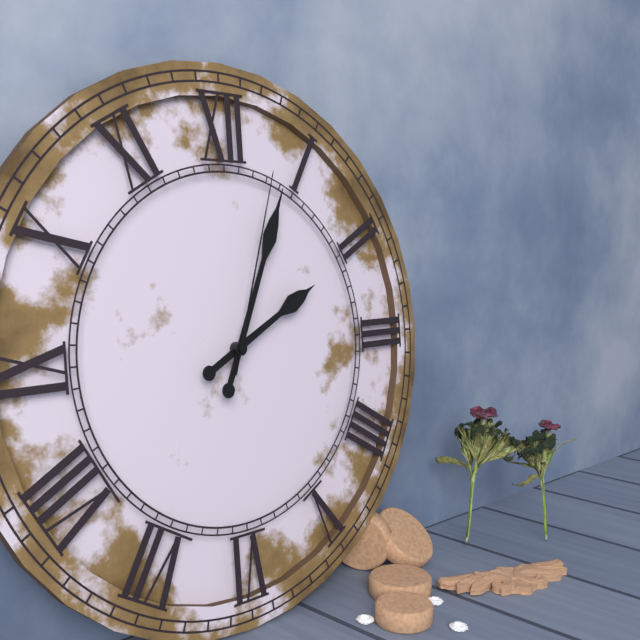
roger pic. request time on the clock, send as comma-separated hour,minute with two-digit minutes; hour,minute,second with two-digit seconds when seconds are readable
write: 2,04,03
